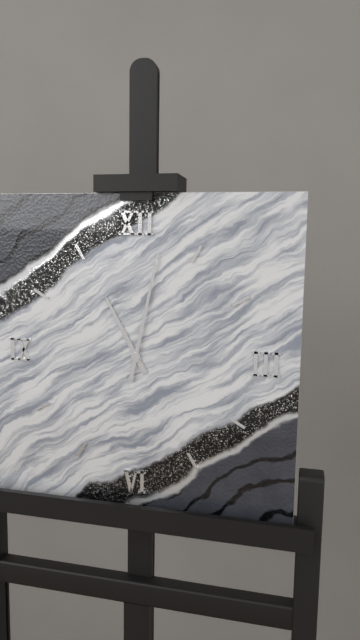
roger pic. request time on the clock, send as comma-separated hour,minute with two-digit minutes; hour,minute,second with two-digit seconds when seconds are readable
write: 11,02
